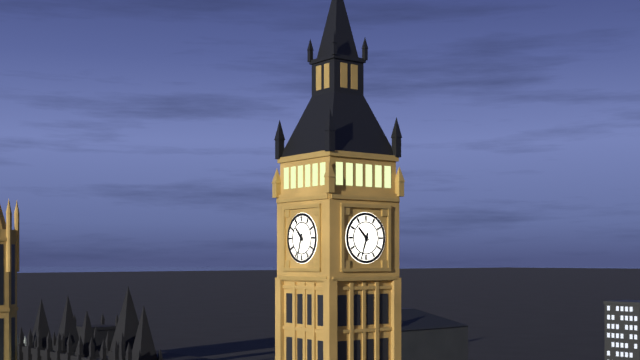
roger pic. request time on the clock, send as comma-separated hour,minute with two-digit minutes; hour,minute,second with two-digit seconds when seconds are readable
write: 10,33
